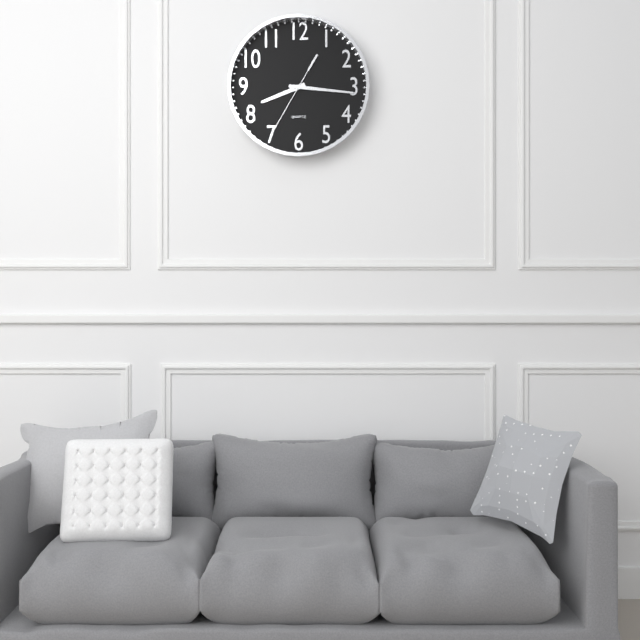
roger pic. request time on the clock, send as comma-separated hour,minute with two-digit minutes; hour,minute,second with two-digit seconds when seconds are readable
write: 8,16,35
